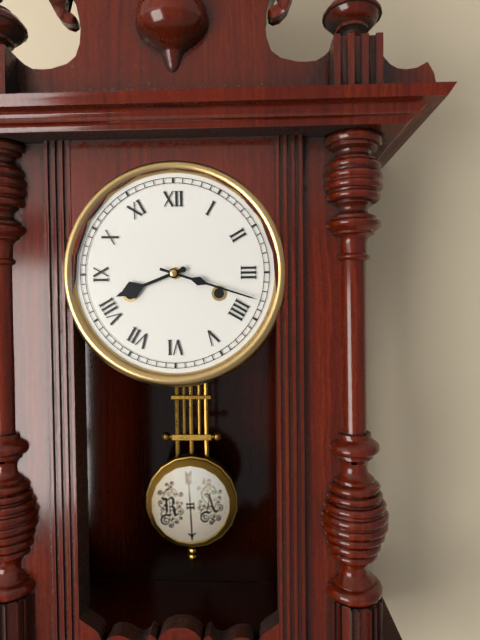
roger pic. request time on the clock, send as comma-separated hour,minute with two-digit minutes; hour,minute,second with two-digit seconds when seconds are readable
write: 8,18
